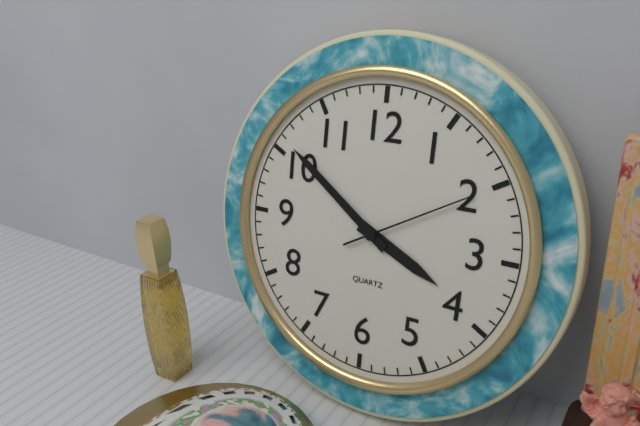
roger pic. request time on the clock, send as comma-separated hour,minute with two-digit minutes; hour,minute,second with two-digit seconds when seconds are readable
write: 3,51,10
